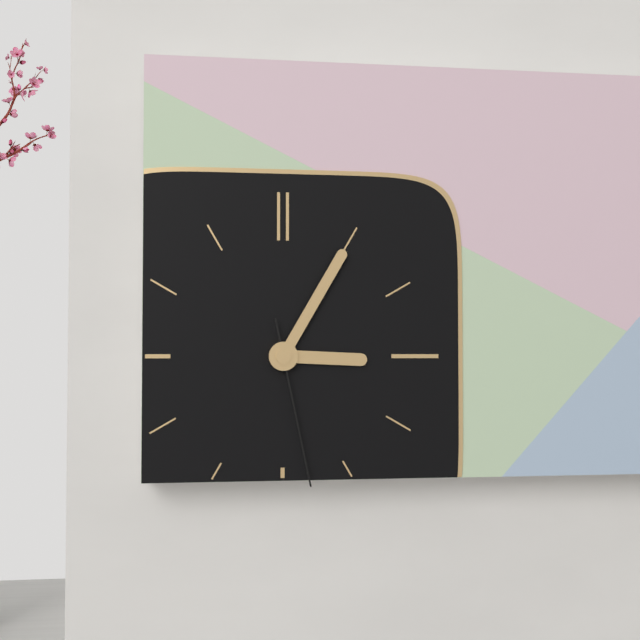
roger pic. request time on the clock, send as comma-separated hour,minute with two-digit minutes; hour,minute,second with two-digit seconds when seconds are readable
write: 3,05,28
